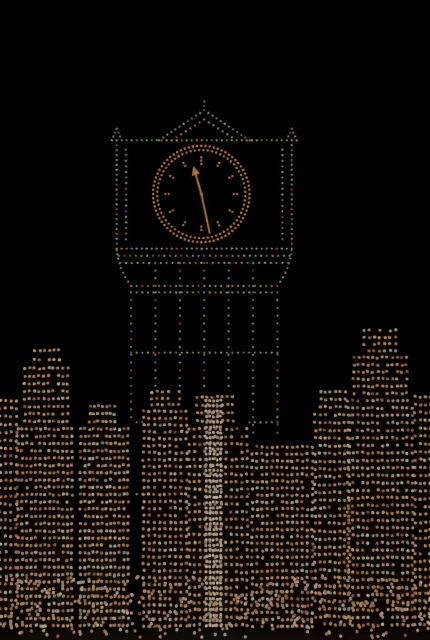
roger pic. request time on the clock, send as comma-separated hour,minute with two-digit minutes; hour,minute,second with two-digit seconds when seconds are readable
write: 11,28
